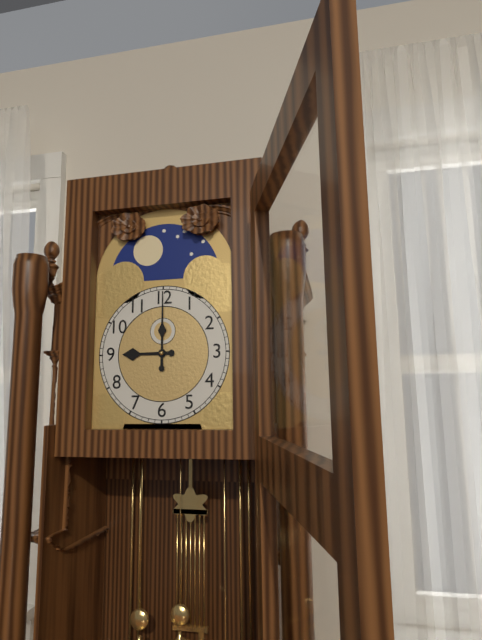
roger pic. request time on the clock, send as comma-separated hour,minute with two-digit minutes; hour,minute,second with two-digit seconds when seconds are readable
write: 9,00
